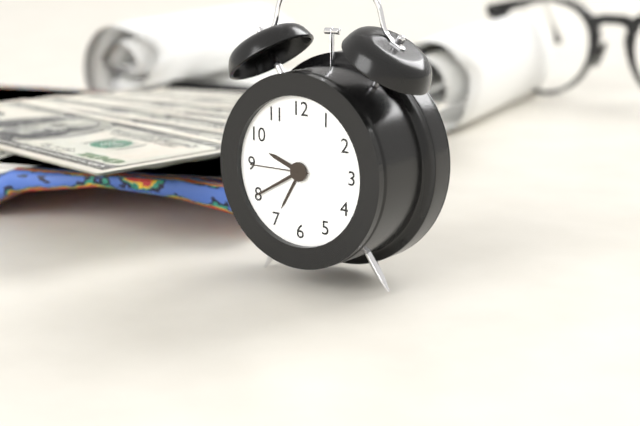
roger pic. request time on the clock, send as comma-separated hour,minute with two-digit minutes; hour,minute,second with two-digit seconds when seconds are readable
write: 9,40,45
